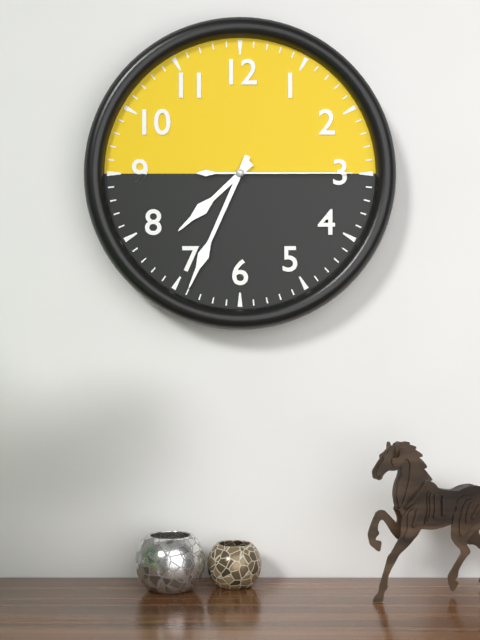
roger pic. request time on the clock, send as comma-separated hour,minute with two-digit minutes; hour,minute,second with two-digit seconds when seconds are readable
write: 7,34,15
